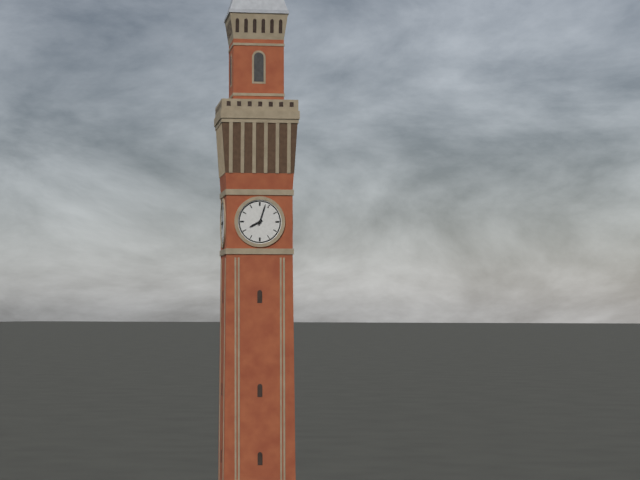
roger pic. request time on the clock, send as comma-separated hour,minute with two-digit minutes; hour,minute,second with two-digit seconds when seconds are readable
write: 8,03
